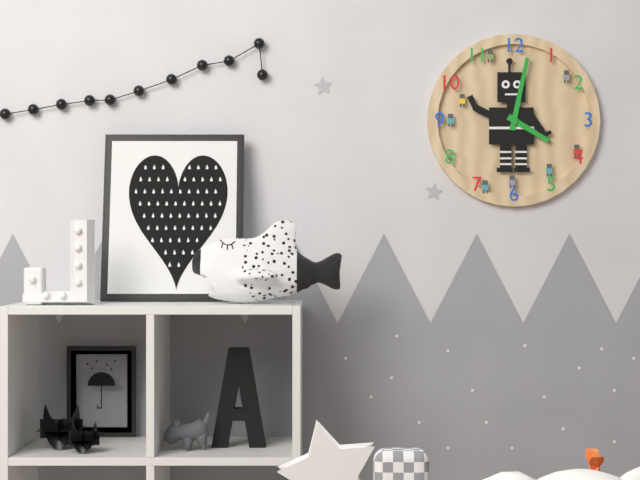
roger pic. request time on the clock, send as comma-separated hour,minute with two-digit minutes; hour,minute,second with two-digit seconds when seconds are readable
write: 4,02
